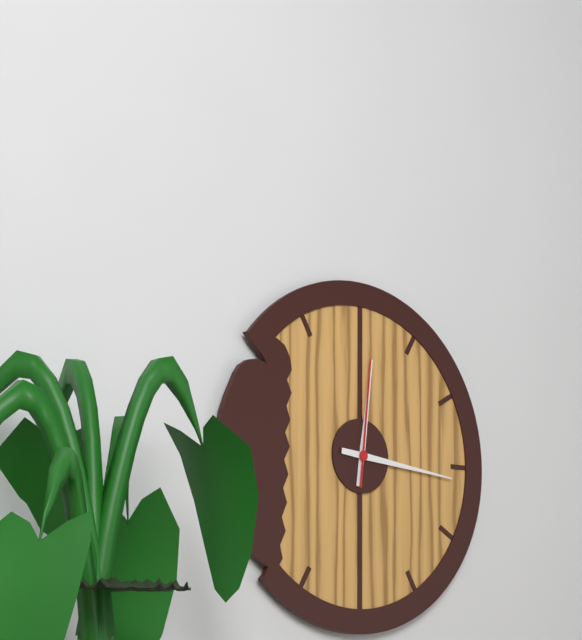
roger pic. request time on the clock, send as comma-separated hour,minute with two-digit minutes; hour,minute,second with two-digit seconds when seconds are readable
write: 12,16,01
